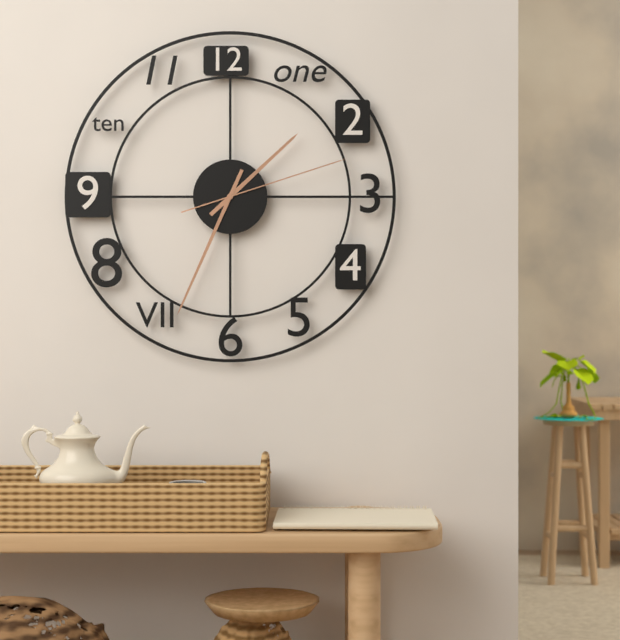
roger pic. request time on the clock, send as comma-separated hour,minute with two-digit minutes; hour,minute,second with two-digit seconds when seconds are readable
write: 1,34,12
